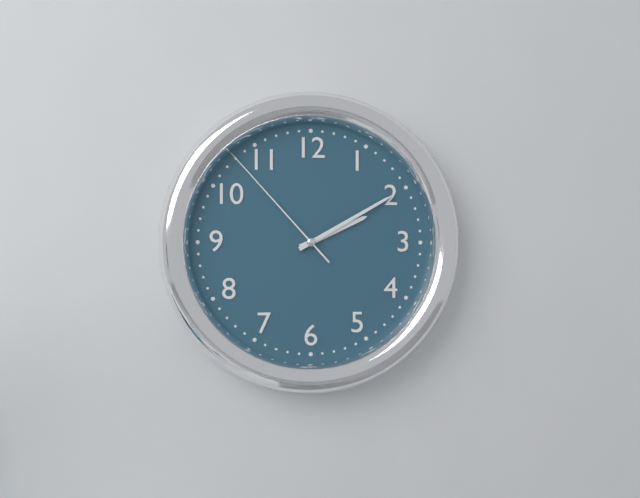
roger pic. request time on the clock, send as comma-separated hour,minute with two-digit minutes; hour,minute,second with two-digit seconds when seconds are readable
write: 2,10,53
